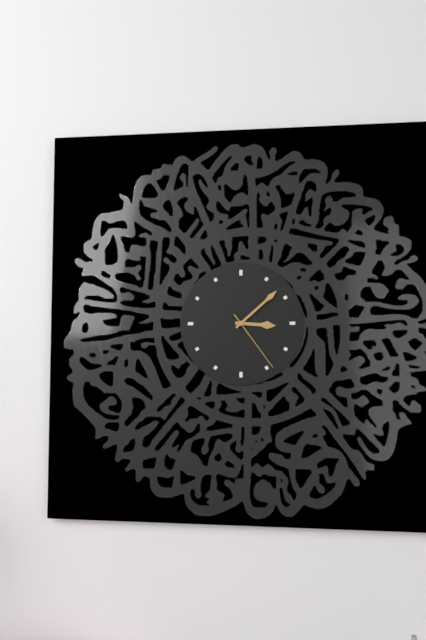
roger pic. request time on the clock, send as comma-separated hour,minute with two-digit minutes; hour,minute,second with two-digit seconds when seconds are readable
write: 3,08,24
